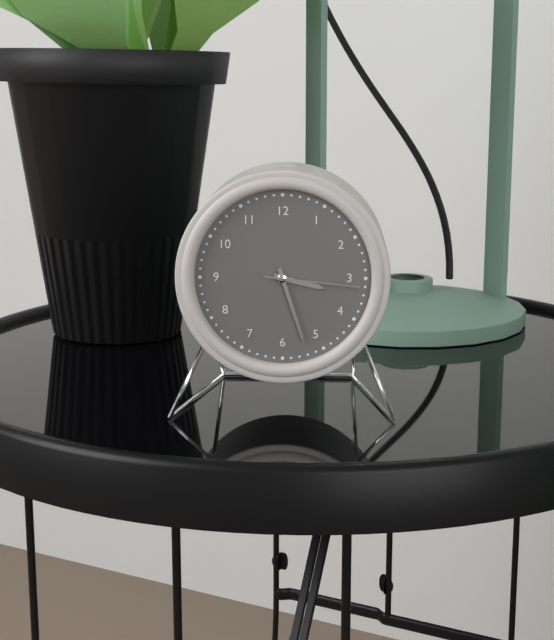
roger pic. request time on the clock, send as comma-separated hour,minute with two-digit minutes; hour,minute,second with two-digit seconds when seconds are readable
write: 3,27,16
